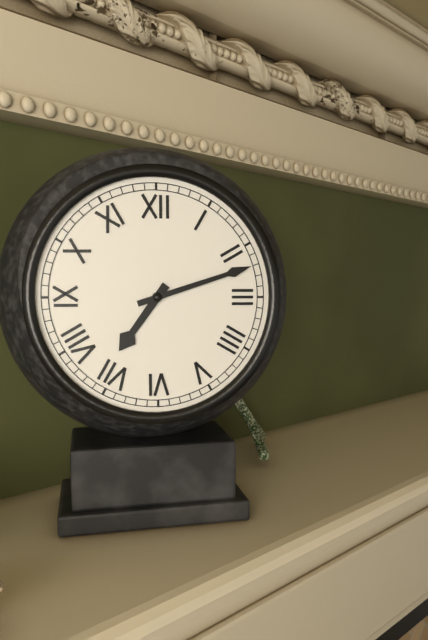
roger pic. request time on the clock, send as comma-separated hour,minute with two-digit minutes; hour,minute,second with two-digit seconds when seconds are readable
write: 7,12
